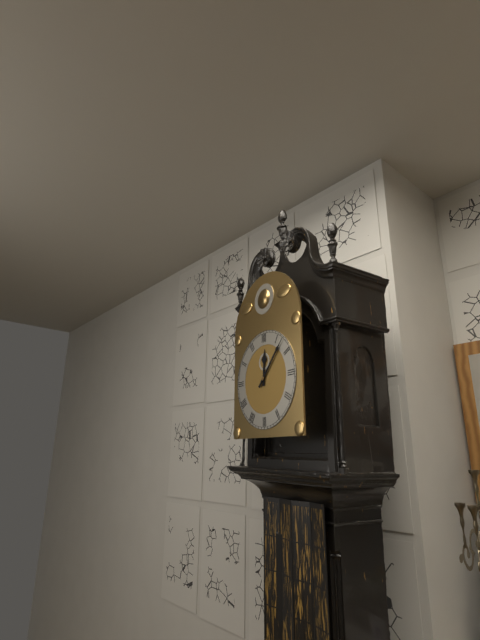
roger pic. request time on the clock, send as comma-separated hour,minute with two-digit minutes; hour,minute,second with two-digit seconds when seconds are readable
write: 12,07
